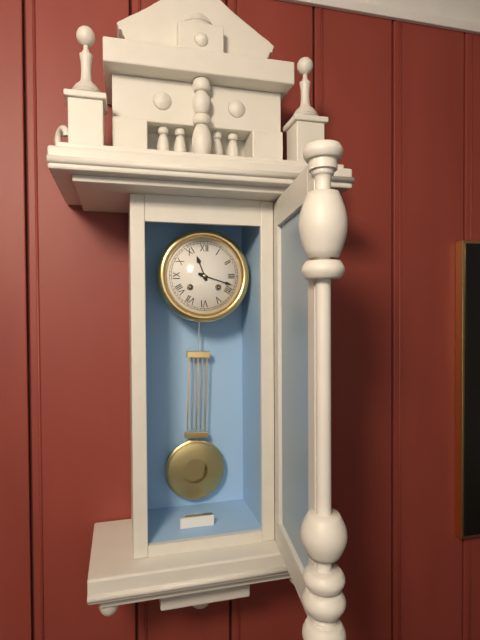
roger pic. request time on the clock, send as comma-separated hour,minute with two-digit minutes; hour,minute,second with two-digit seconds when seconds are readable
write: 11,18
